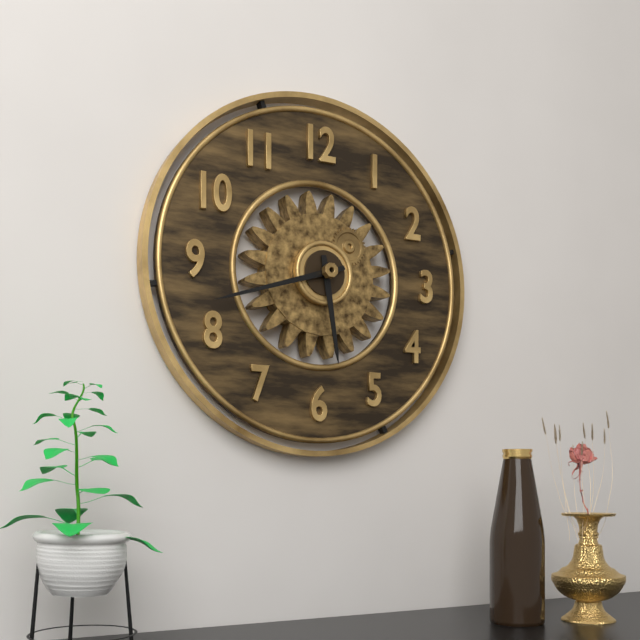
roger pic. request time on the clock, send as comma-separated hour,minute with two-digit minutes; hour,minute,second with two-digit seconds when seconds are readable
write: 5,42
